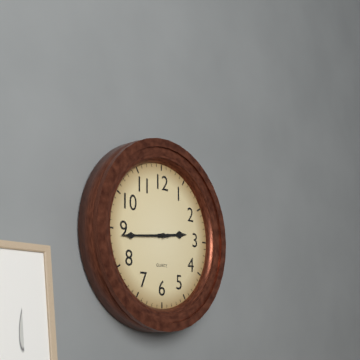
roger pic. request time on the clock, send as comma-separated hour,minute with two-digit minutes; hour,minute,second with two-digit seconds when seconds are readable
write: 2,44
